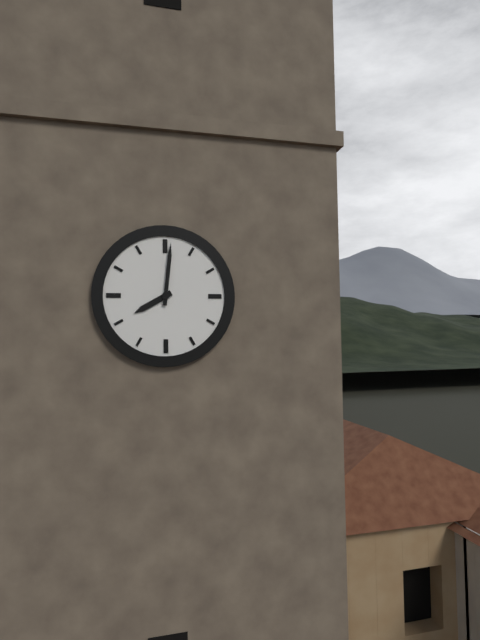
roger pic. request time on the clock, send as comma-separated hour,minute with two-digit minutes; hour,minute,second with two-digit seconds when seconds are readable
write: 8,01
